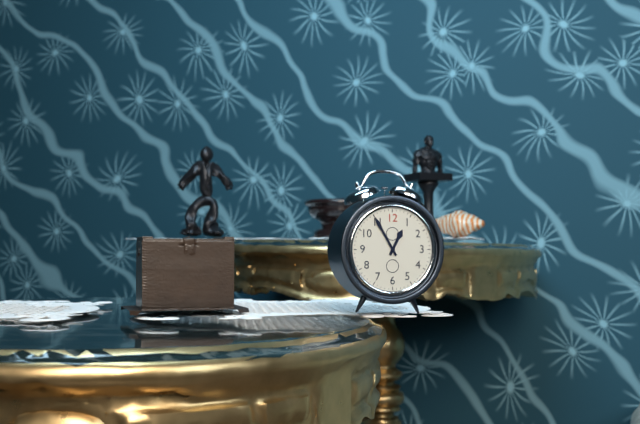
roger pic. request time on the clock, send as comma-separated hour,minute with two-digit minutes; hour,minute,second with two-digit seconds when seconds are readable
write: 12,55
